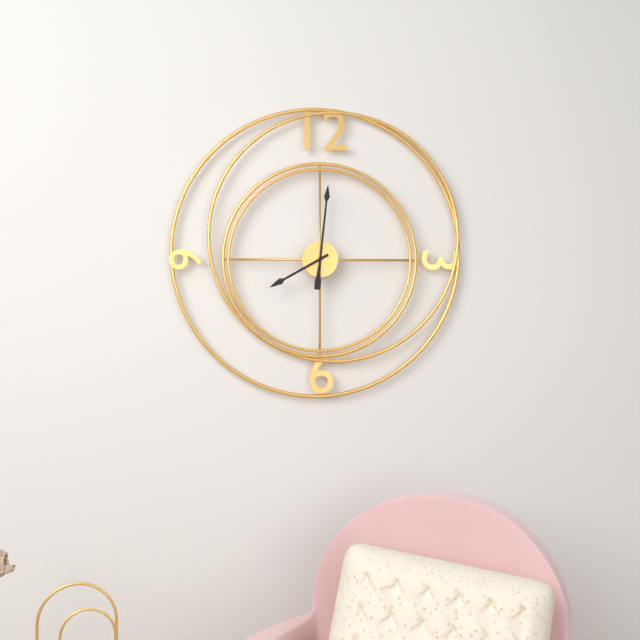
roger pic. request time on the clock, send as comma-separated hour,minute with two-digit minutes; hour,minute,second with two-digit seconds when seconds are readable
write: 8,01
